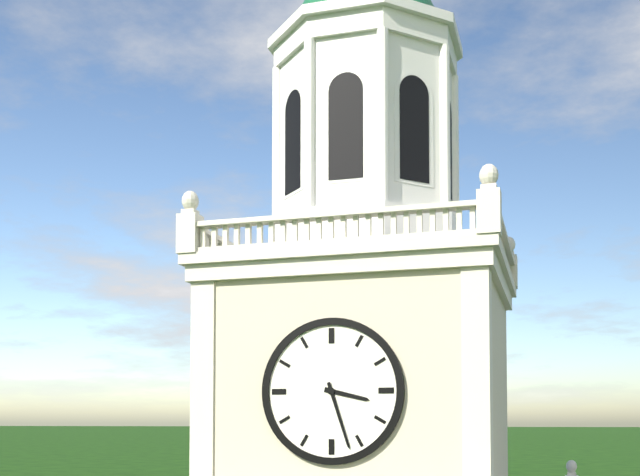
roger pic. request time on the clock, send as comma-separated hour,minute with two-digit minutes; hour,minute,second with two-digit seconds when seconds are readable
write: 3,27
